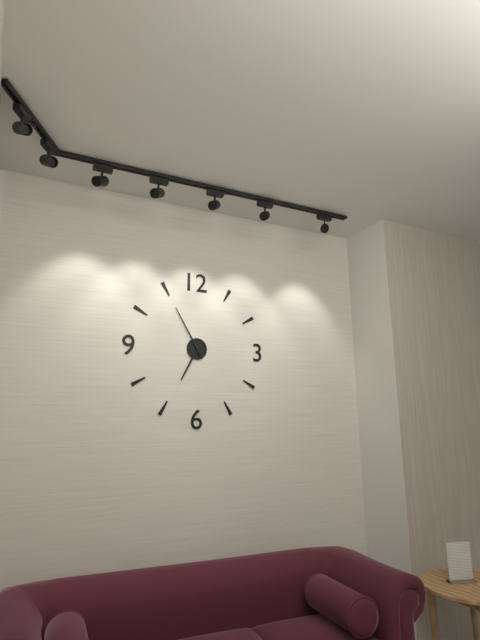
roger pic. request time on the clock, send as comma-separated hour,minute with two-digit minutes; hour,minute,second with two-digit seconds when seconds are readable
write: 6,55
